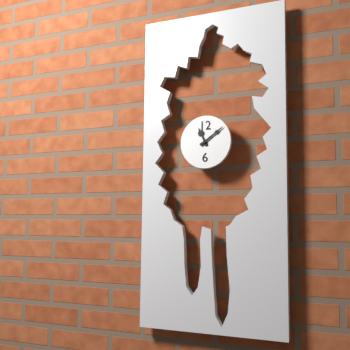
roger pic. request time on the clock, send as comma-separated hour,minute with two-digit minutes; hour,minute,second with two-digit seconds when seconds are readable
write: 11,09
